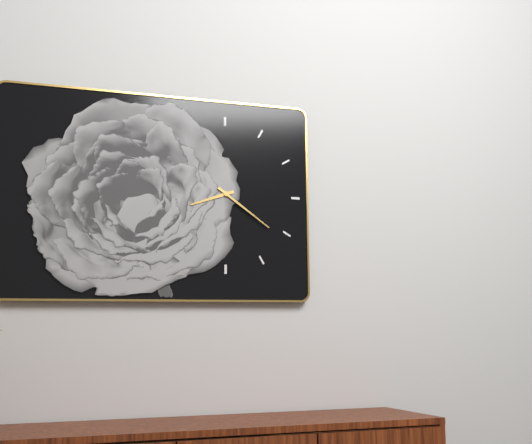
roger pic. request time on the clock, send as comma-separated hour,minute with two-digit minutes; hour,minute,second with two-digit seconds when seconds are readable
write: 8,21
